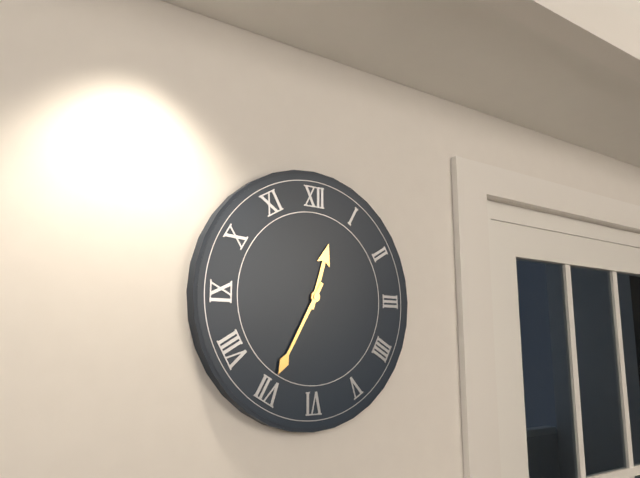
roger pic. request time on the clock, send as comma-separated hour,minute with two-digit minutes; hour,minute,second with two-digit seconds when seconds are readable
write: 12,35
